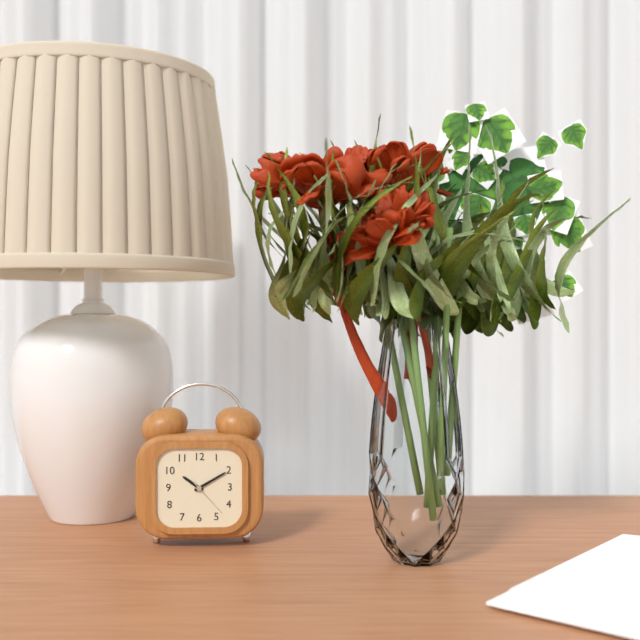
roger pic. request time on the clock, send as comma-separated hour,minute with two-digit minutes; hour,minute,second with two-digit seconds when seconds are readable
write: 10,10
